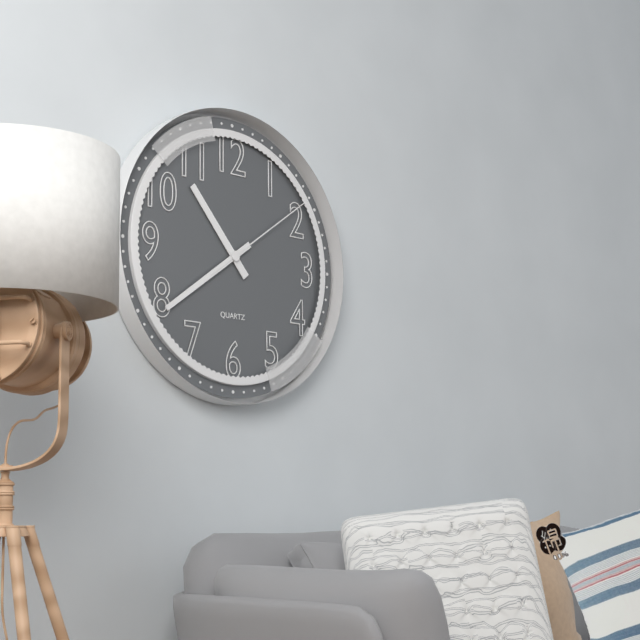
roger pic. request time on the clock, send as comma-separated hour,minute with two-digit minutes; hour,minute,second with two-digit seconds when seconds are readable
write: 10,39,09
